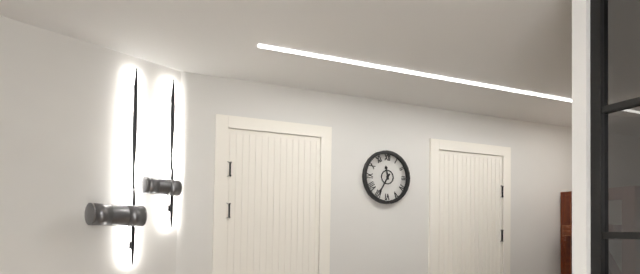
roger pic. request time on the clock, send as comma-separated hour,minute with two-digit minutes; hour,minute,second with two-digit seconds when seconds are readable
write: 11,35
